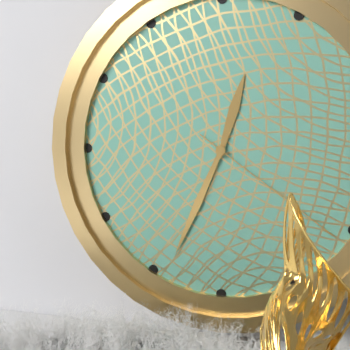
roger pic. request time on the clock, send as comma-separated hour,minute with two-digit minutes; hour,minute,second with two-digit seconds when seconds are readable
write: 12,34,21
